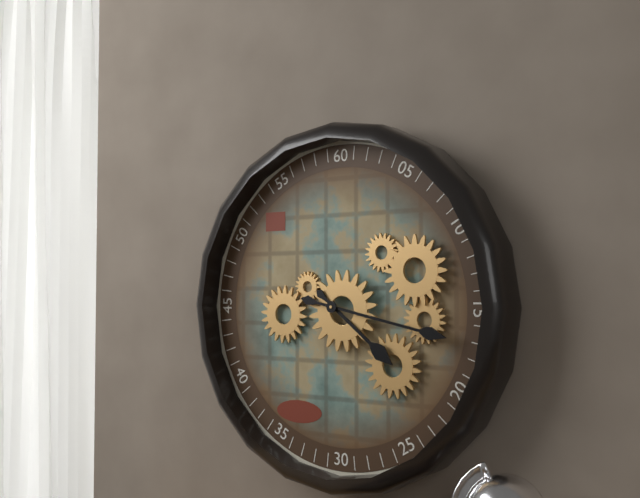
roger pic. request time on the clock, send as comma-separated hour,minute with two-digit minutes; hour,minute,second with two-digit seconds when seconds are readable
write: 4,17
